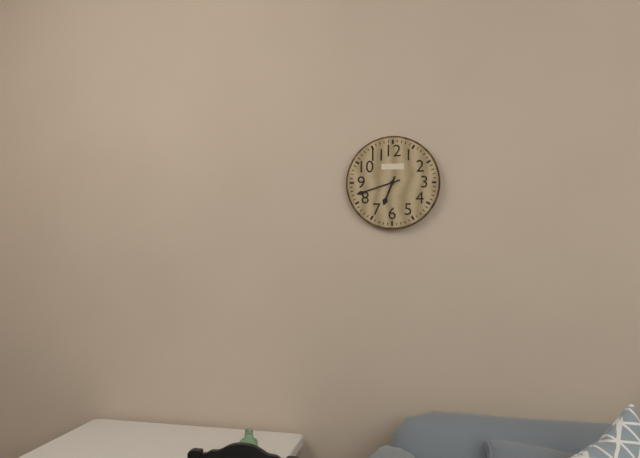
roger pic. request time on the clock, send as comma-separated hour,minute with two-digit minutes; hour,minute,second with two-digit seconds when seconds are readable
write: 6,42
